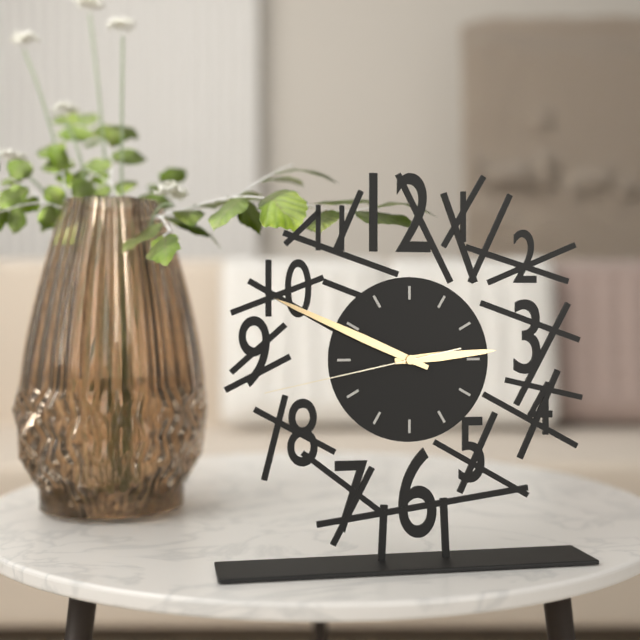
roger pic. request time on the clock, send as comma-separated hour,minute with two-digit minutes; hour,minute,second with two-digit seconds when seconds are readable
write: 2,49,43
